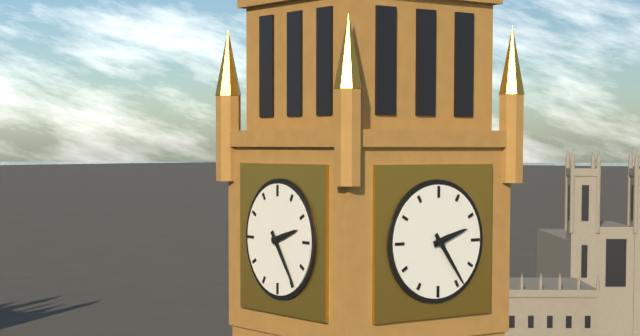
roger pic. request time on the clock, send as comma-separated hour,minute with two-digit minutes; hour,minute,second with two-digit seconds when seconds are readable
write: 2,24
